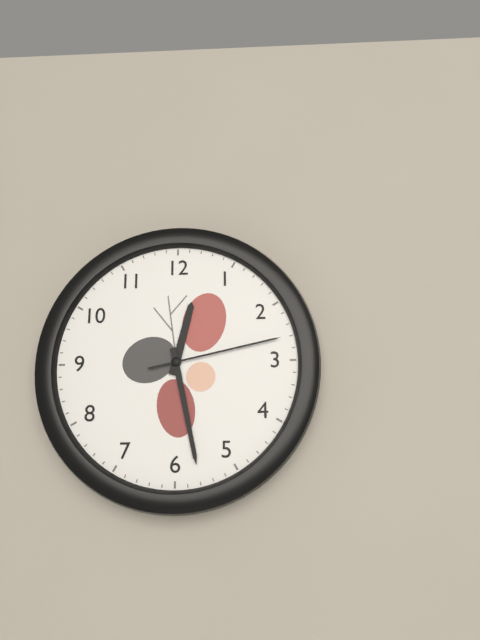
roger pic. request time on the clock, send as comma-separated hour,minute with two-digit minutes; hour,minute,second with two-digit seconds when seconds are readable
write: 12,28,13
